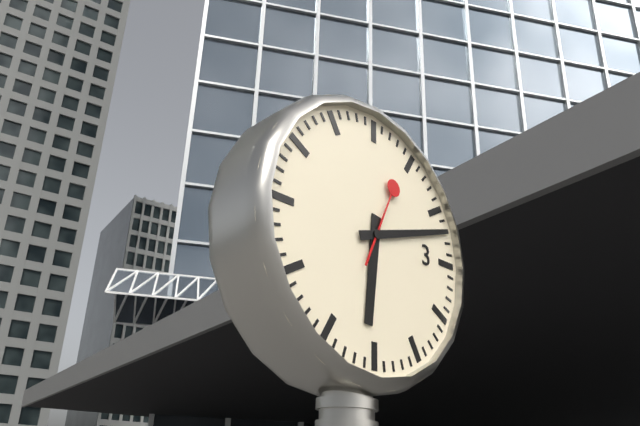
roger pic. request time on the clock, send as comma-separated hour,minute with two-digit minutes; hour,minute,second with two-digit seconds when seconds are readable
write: 6,12,04
